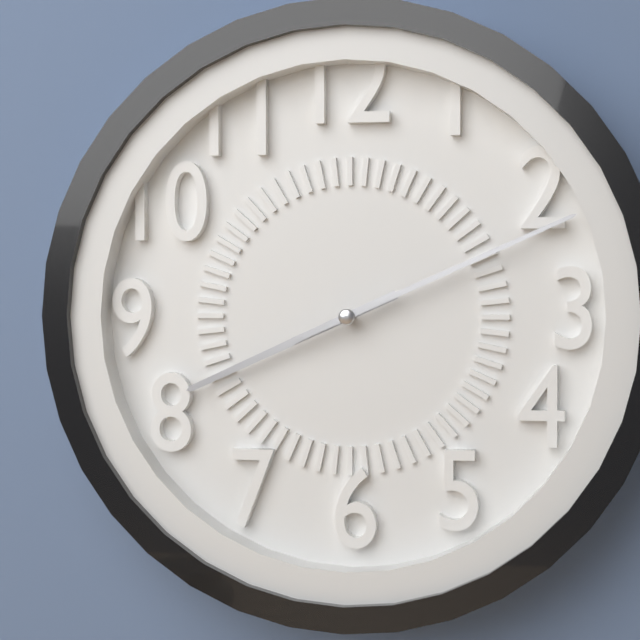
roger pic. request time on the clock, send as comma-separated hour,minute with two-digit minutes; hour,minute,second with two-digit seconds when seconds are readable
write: 8,11
